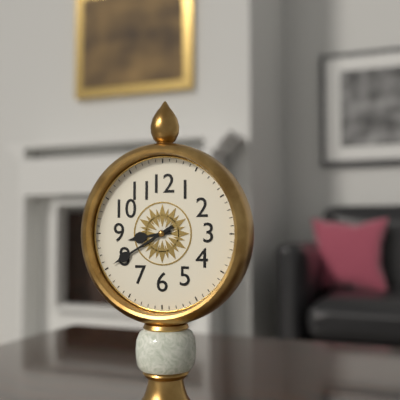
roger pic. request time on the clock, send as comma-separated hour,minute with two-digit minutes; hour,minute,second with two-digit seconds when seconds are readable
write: 8,40
